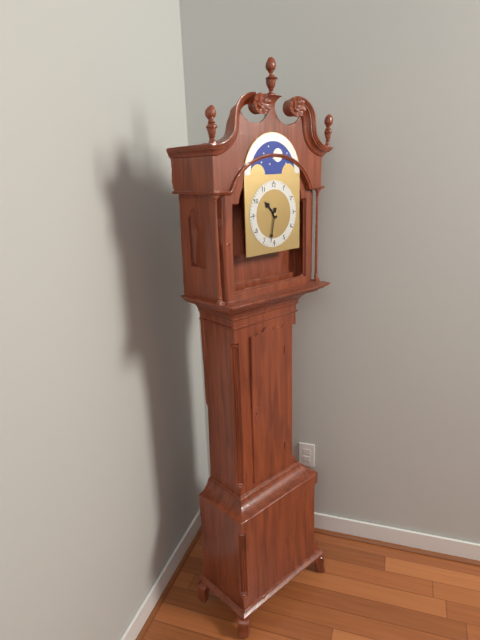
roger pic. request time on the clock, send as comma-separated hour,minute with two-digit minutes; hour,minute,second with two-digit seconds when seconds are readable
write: 10,32
